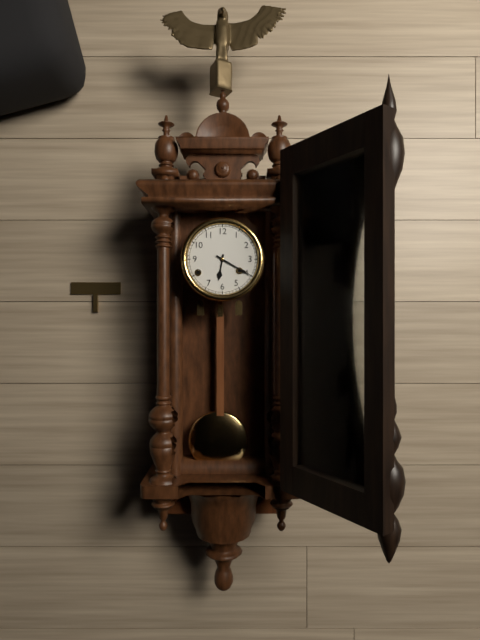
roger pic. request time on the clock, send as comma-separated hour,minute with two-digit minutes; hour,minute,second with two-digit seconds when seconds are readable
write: 6,20
